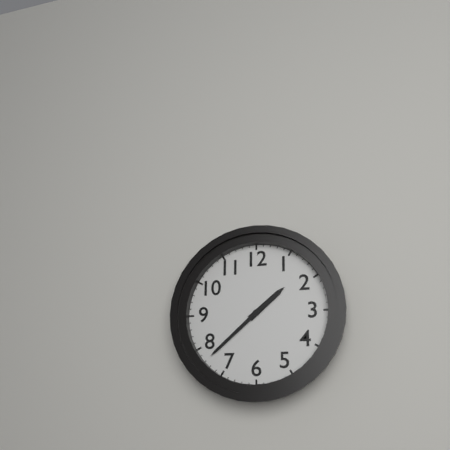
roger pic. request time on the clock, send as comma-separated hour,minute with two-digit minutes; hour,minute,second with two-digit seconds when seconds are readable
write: 1,38
